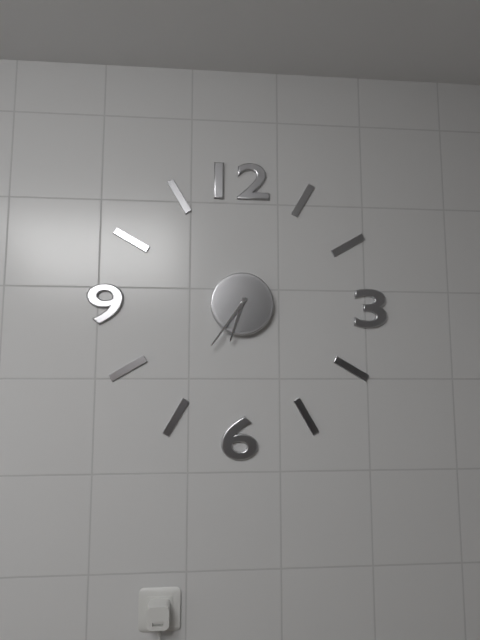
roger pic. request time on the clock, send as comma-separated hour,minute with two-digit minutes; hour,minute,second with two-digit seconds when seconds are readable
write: 6,36
